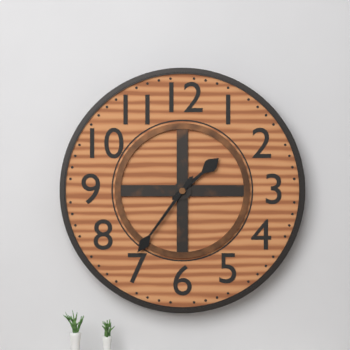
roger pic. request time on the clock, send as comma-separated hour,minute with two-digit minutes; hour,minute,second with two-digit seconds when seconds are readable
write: 1,36
